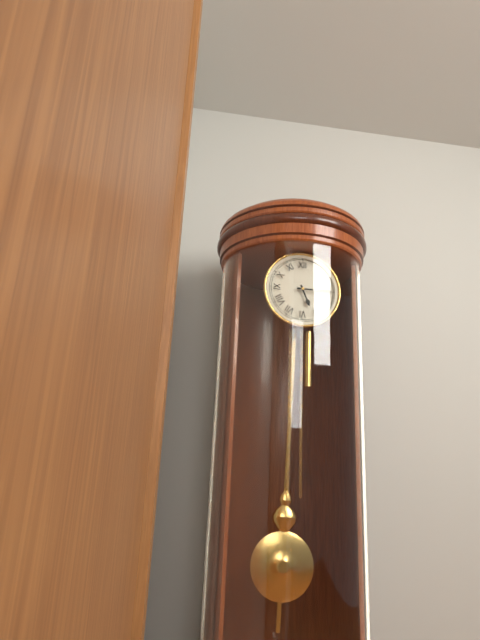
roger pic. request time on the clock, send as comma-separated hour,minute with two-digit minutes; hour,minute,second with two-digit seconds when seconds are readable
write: 5,15
